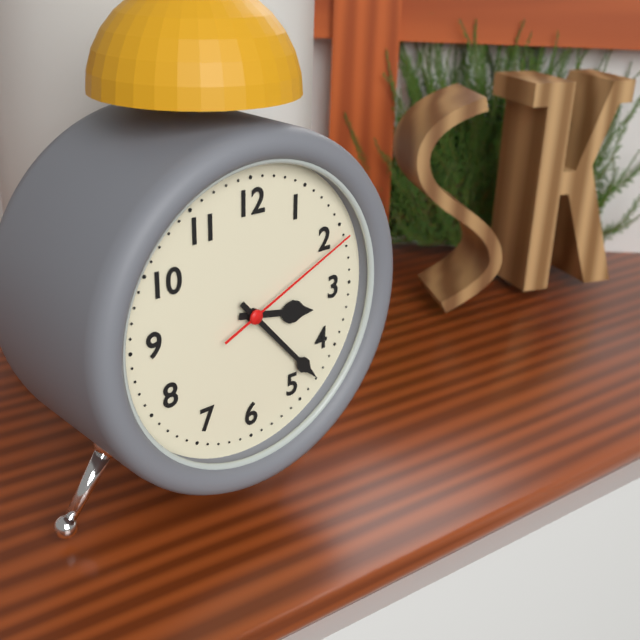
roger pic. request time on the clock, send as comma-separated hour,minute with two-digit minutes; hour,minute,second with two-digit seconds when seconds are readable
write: 3,23,11
